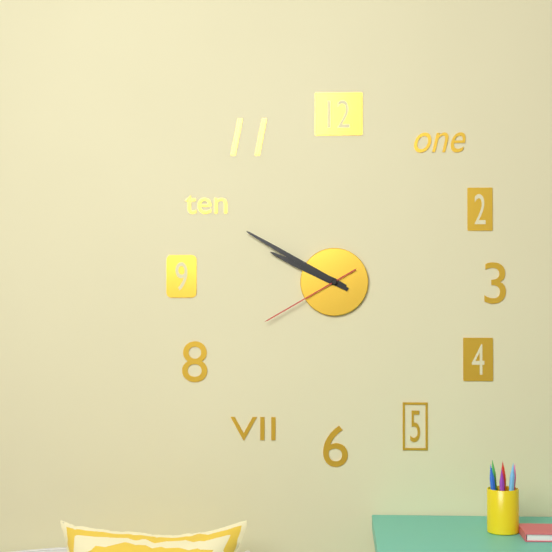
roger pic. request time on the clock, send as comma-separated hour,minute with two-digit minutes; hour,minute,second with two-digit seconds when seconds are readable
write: 9,50,40
